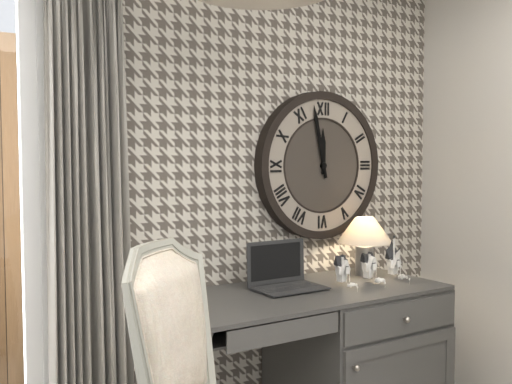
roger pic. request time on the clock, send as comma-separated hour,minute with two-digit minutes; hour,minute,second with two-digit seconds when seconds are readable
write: 11,58
